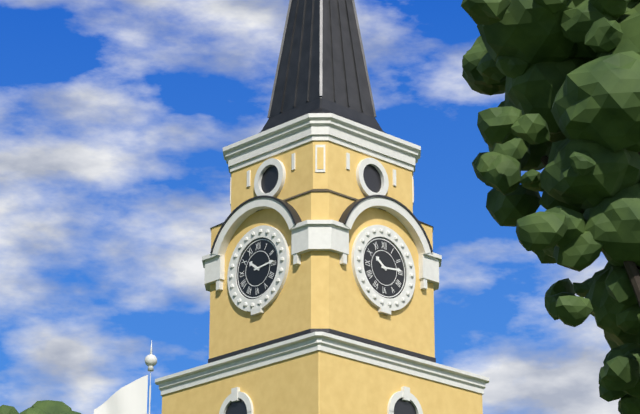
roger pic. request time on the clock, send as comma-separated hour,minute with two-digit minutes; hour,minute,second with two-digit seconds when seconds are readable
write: 10,14
